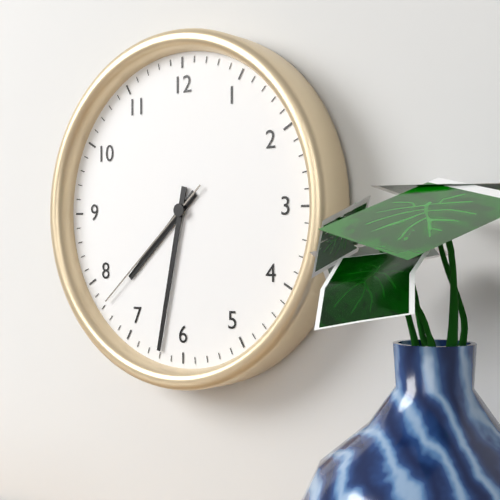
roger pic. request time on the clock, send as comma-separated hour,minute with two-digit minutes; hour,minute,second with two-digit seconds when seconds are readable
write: 7,32,38
